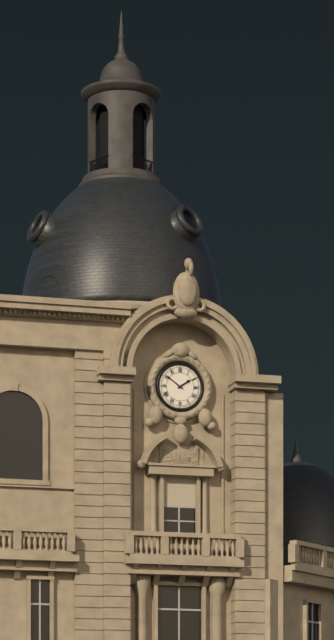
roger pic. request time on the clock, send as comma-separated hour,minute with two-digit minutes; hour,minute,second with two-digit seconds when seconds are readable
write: 1,51
